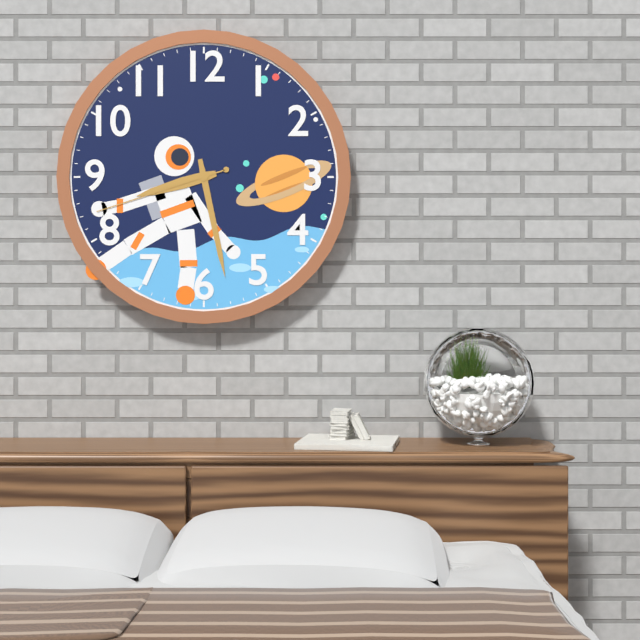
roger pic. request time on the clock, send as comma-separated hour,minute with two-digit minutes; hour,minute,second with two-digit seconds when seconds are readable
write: 8,28,42
